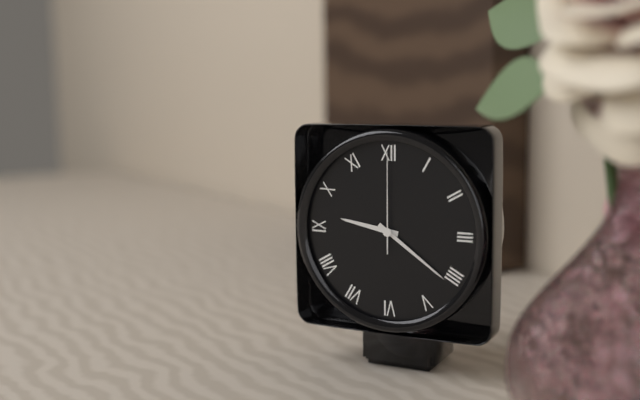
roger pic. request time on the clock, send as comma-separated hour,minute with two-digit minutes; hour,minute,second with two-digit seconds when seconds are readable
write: 9,21,00
